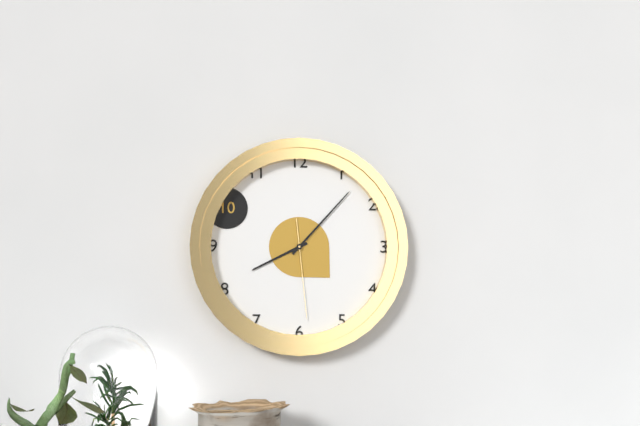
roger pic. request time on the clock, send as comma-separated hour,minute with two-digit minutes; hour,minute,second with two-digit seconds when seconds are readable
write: 8,07,29
